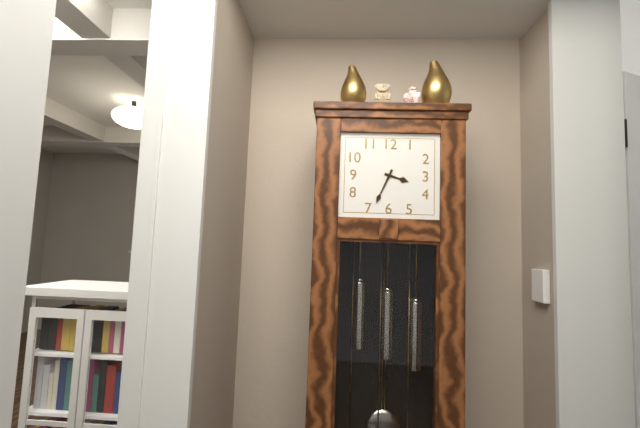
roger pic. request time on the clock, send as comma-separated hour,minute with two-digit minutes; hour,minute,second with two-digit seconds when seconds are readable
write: 3,34
